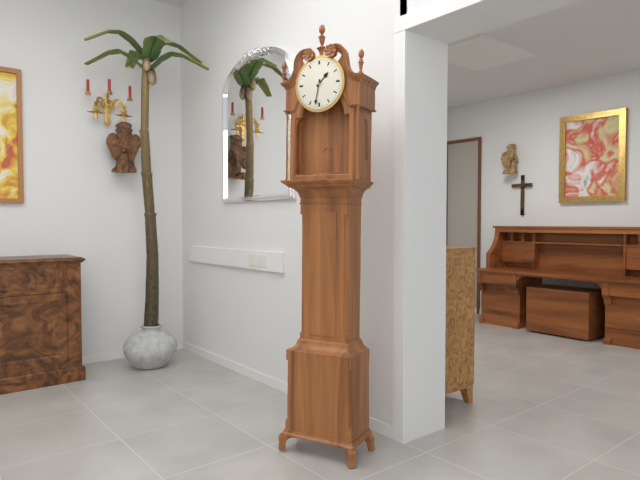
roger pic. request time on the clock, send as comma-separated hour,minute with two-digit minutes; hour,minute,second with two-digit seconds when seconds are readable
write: 1,32
